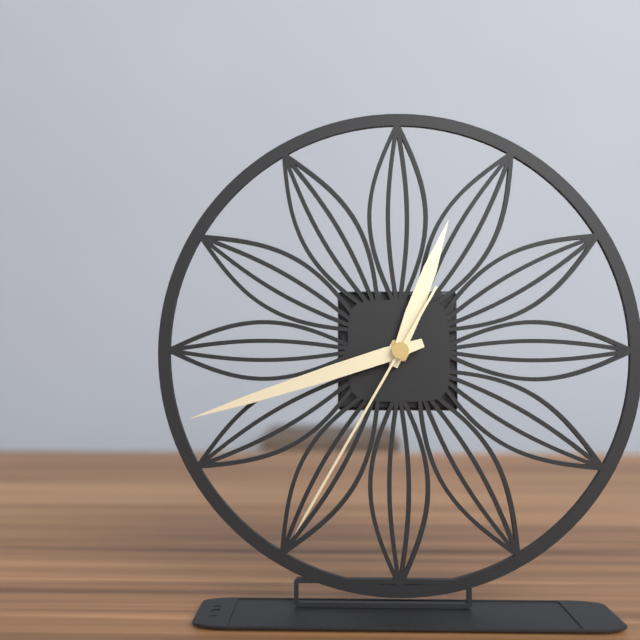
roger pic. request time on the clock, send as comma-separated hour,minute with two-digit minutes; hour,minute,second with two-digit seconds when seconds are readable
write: 12,42,35
